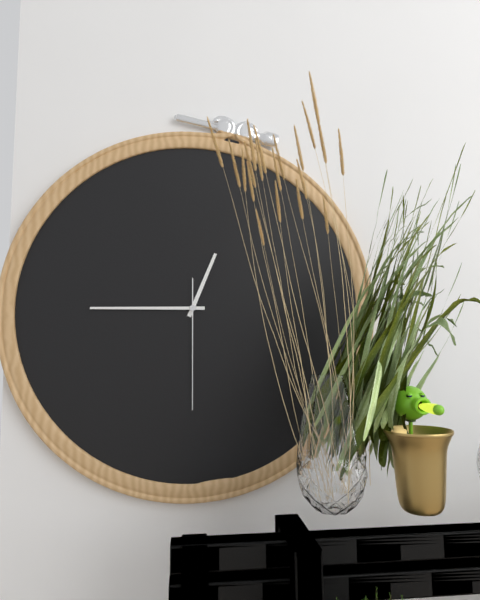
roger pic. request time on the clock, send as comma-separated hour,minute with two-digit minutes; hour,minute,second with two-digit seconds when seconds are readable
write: 12,45,30
